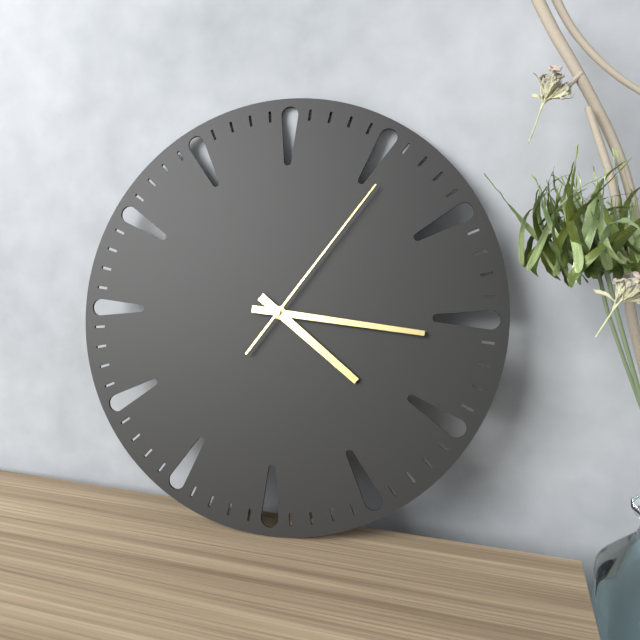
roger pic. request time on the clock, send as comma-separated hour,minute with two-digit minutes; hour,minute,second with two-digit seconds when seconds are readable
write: 4,16,06
